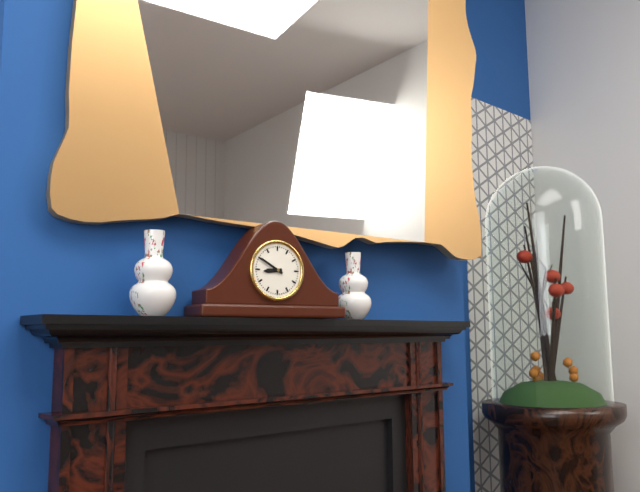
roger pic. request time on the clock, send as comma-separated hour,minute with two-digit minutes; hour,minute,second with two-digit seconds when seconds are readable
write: 8,50
